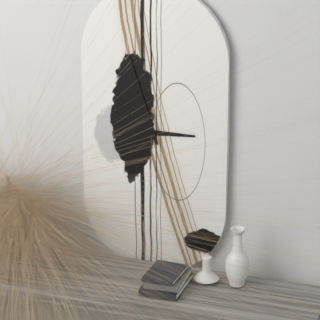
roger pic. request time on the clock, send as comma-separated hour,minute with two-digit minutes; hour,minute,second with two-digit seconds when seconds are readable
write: 2,57
